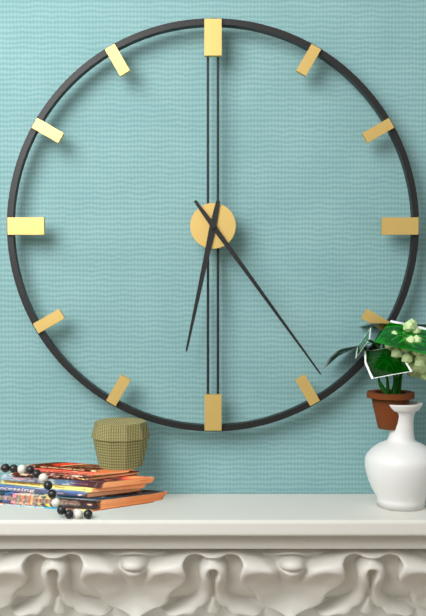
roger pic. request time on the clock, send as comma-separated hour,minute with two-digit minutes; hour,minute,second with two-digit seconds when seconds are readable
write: 6,24
